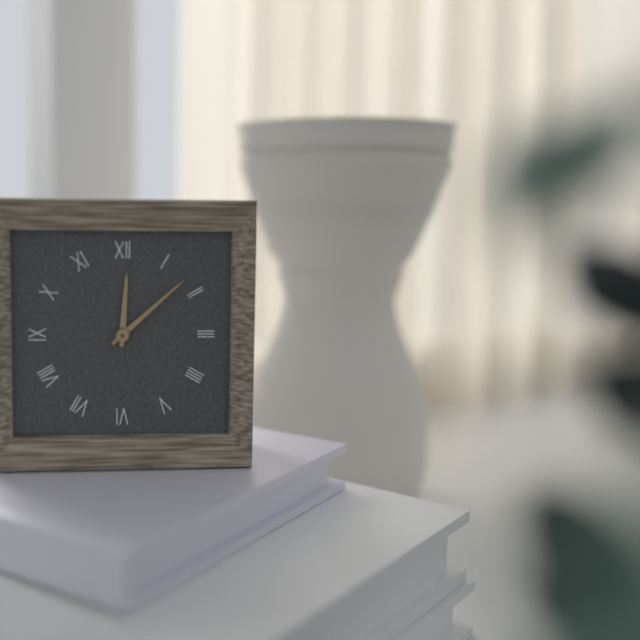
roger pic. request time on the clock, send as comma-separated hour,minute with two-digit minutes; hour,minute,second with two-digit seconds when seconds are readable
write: 12,08
